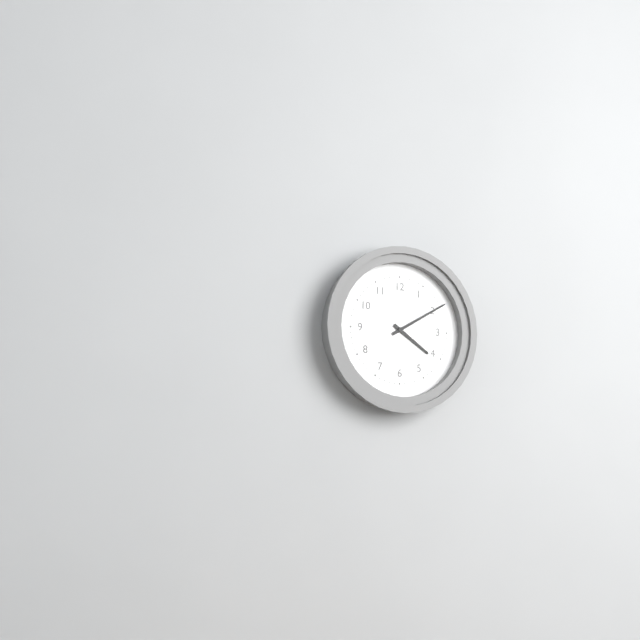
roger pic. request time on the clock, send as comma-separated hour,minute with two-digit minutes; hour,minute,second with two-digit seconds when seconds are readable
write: 4,10
